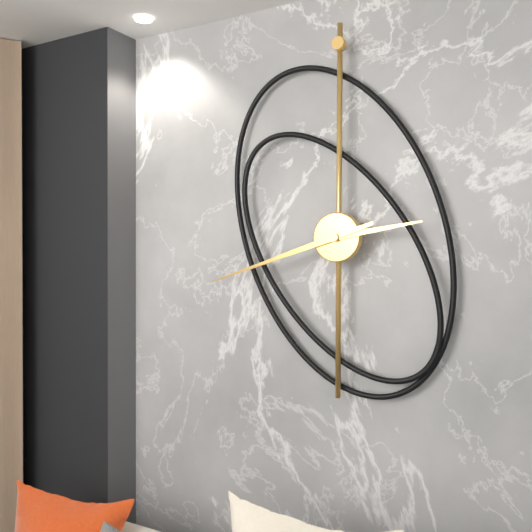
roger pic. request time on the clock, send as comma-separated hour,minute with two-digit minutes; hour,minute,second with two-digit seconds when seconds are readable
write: 2,42
